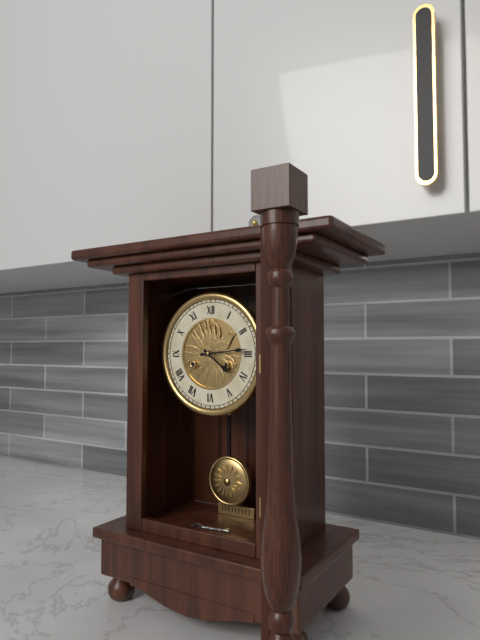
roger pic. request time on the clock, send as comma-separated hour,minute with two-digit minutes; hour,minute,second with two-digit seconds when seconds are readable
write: 4,14
